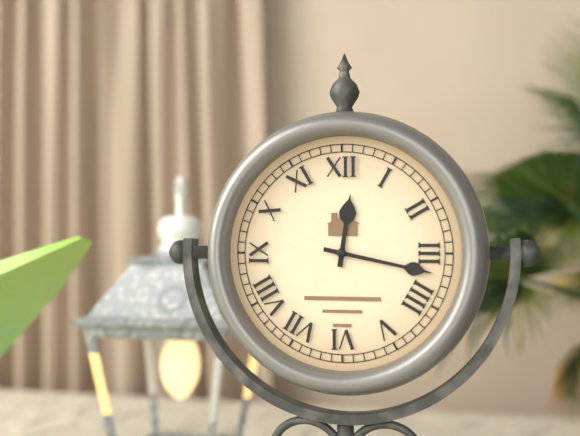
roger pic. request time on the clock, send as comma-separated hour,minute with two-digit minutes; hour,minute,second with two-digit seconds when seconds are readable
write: 12,17
